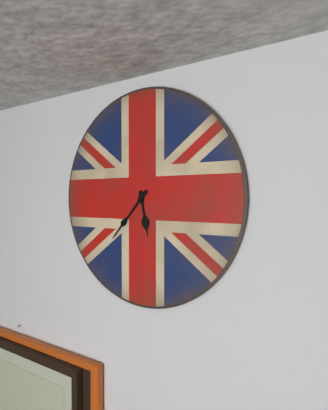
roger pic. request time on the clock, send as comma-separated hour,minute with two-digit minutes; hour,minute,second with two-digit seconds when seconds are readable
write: 5,37
